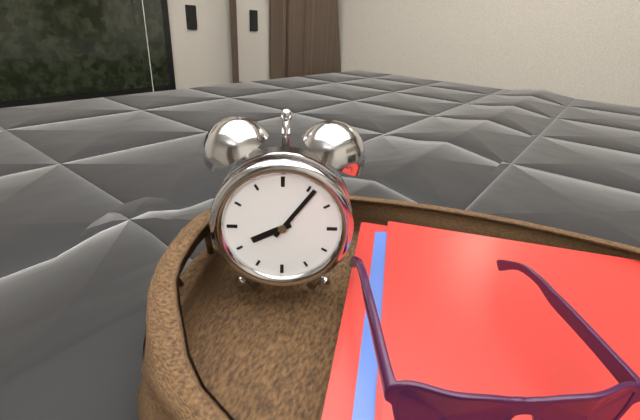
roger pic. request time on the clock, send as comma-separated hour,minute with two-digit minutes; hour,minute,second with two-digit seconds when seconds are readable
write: 8,06
